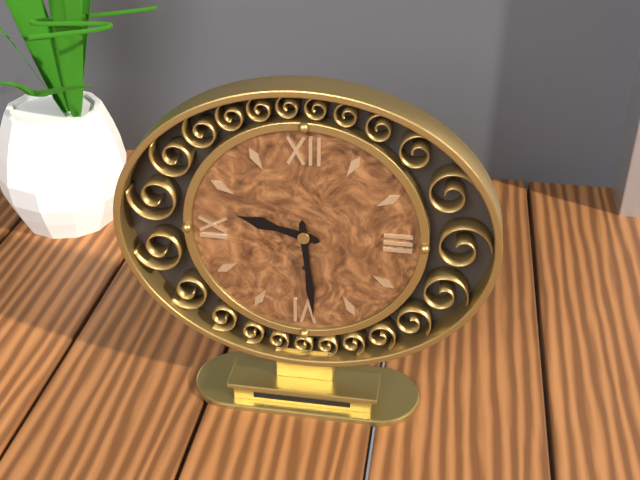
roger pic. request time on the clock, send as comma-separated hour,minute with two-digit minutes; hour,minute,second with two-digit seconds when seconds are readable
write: 9,29
